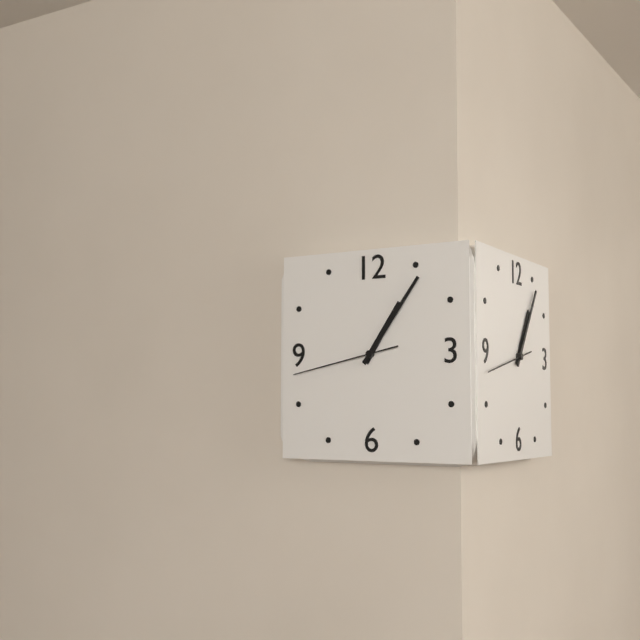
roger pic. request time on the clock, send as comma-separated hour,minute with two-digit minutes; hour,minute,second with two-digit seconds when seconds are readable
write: 1,06,43
